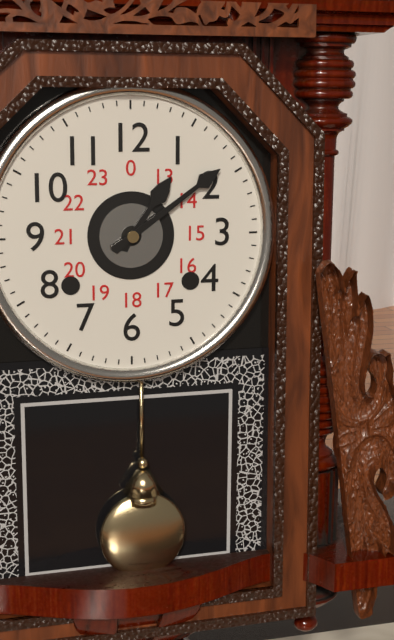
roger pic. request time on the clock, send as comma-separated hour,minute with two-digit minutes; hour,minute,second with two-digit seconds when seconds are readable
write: 1,09
